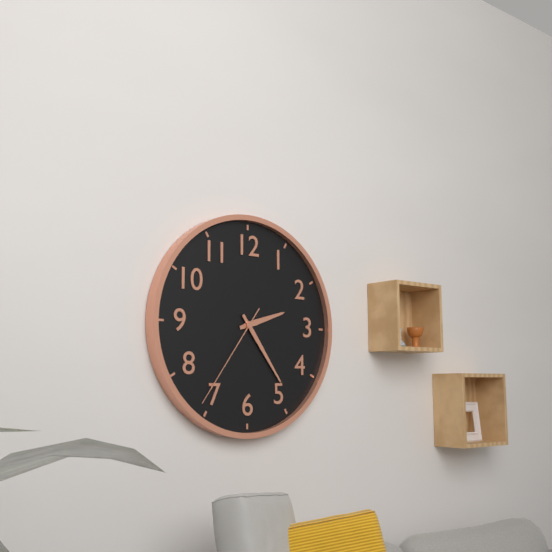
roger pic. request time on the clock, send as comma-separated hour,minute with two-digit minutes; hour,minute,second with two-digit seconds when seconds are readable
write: 2,24,36
